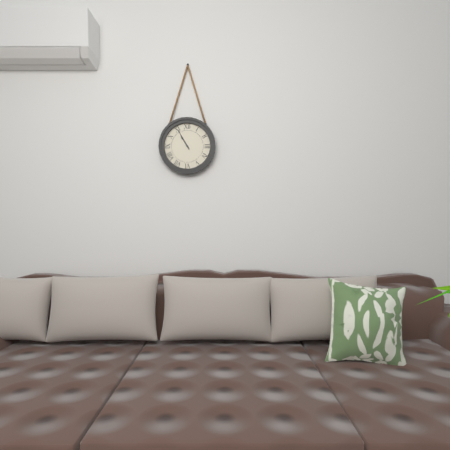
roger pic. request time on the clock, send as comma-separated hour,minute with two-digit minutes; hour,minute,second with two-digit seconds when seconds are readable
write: 10,55
